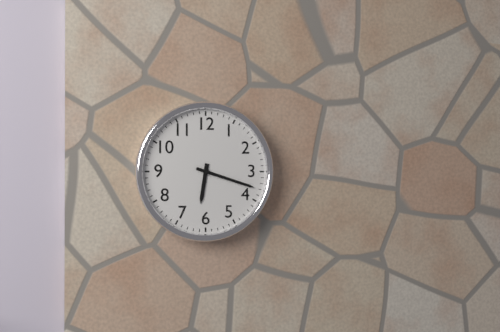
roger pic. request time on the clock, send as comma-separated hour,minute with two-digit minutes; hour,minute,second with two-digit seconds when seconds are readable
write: 6,18
